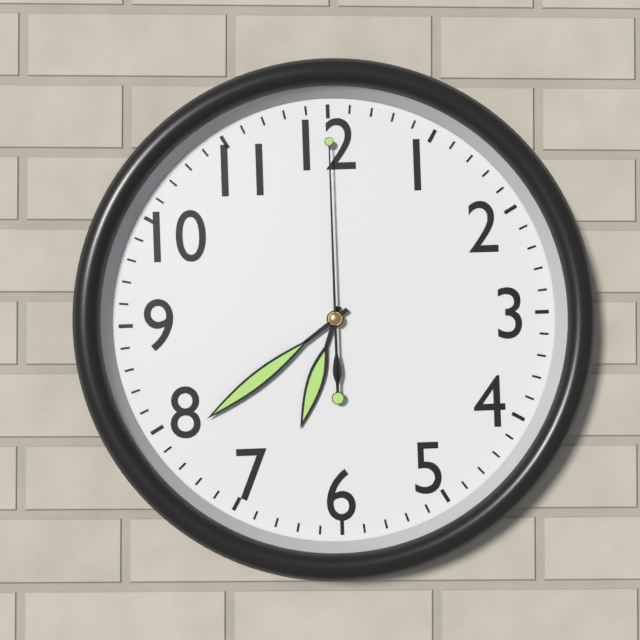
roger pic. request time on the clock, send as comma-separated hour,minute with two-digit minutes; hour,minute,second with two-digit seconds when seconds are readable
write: 6,39,00
